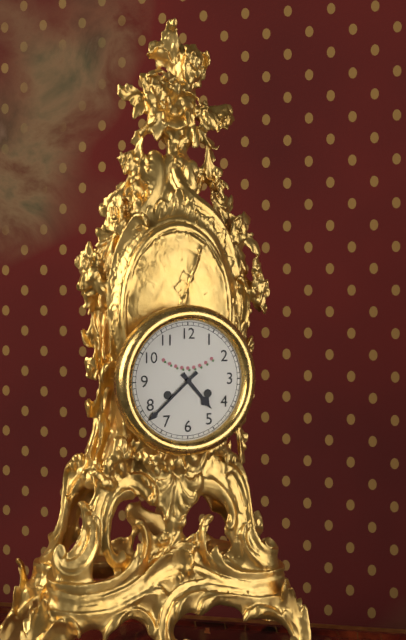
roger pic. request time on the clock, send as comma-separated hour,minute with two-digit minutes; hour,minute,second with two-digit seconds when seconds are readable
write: 4,38
